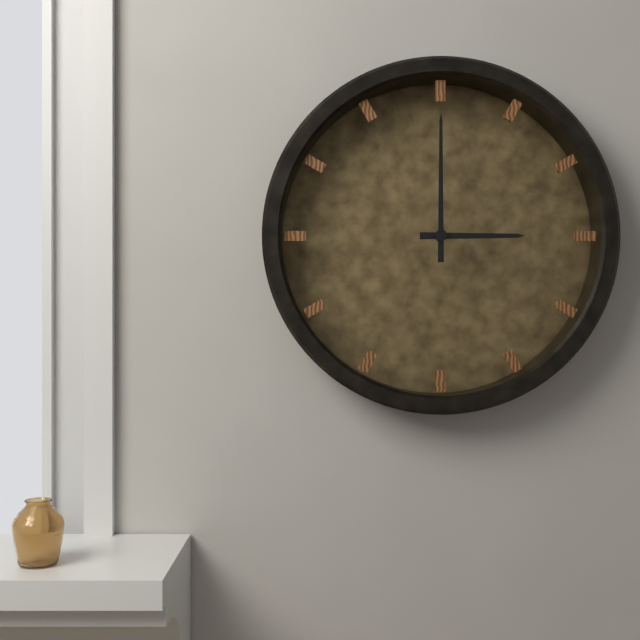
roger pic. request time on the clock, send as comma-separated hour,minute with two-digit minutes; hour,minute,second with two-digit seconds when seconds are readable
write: 3,00
